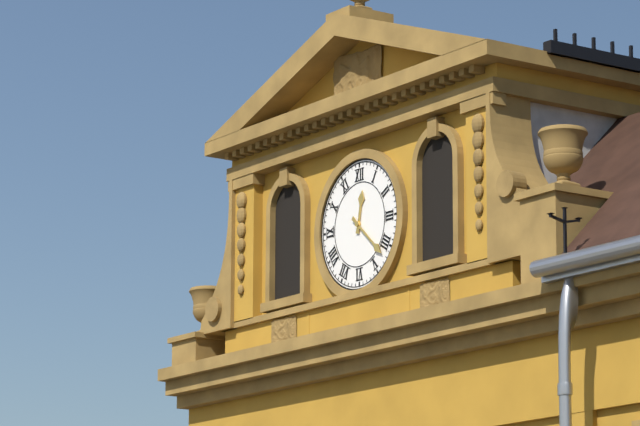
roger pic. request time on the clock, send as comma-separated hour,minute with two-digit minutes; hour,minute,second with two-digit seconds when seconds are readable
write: 12,22
